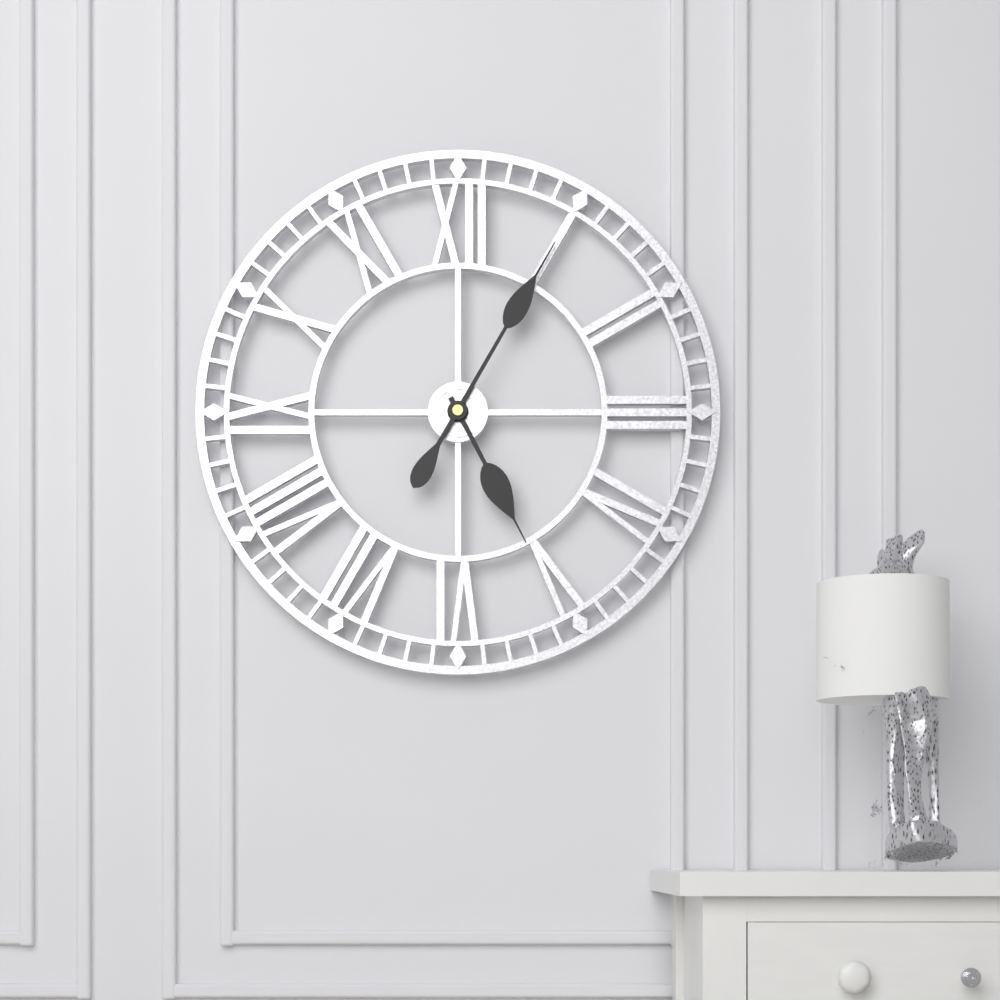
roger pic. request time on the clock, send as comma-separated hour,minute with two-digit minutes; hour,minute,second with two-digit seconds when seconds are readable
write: 5,05
